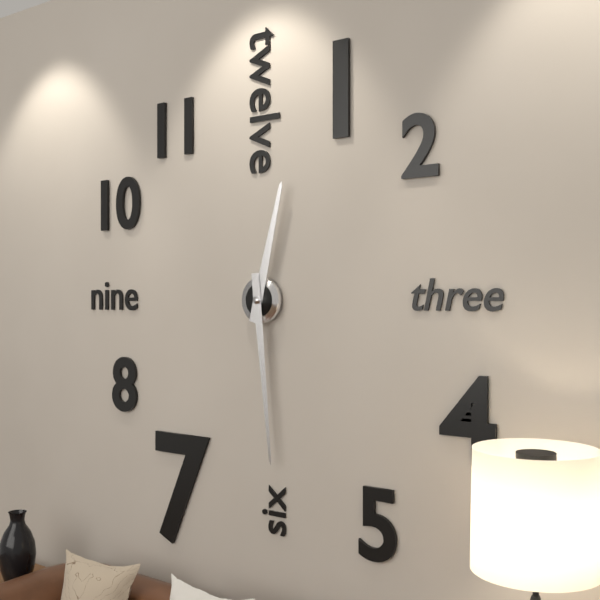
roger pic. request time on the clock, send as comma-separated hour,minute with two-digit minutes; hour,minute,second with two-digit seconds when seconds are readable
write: 12,29
